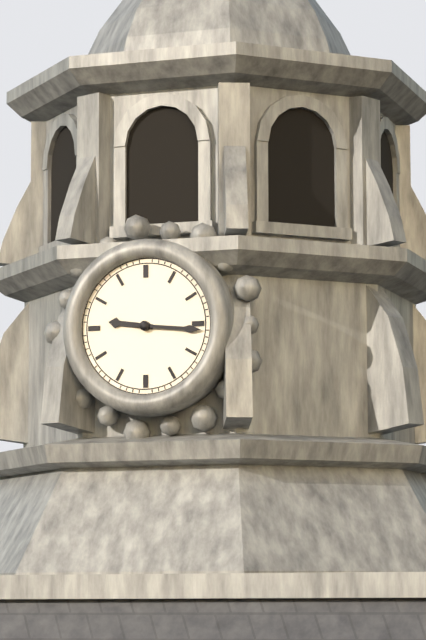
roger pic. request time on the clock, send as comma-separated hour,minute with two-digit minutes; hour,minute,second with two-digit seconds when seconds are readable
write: 9,16
